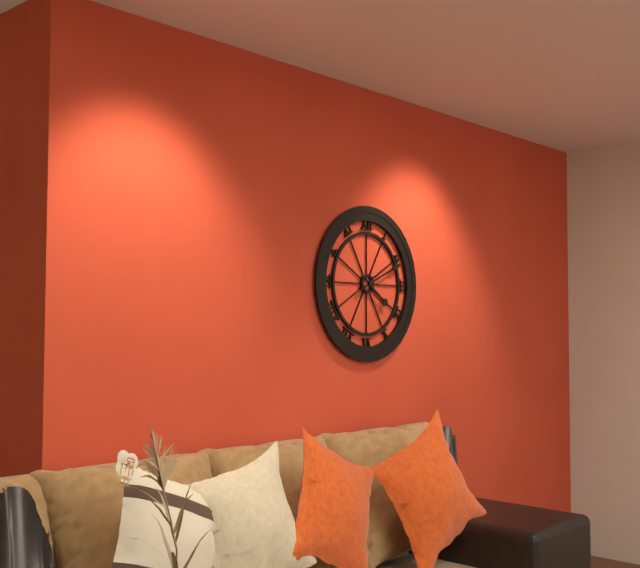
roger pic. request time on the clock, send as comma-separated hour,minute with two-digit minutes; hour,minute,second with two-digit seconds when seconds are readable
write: 4,11
